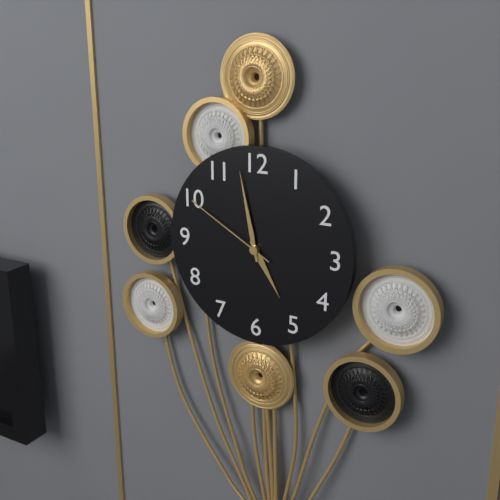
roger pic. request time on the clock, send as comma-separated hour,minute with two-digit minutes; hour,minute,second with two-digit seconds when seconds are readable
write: 4,58,50
